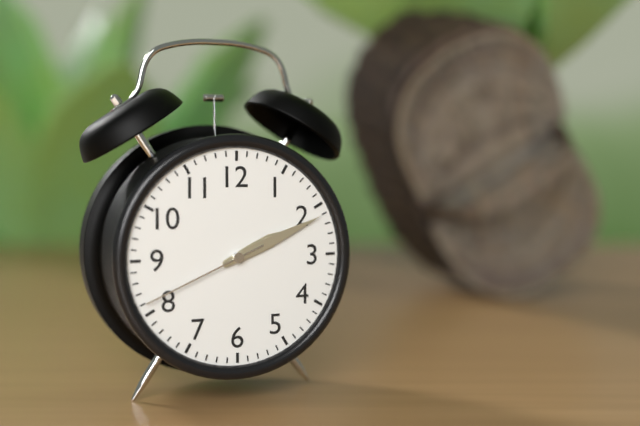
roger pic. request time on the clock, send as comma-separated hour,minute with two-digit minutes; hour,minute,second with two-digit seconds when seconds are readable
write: 2,11,41
